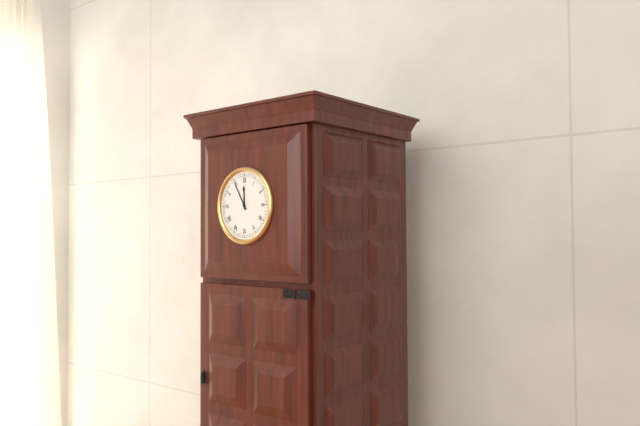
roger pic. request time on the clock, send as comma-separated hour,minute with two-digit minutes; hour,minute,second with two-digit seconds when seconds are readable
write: 11,55
